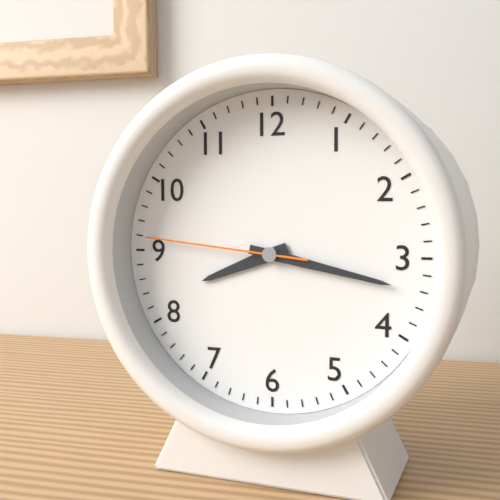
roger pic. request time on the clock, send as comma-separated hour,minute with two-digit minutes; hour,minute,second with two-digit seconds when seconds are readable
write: 8,17,46
